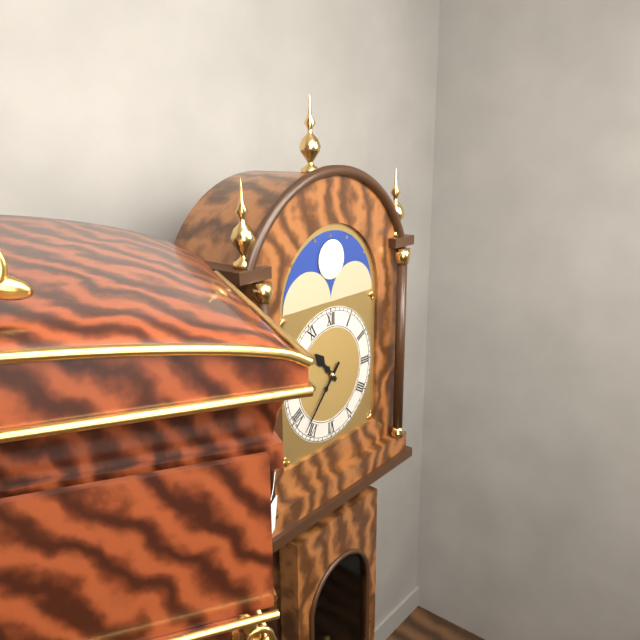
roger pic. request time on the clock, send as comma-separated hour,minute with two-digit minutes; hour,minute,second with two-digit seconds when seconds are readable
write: 10,37
